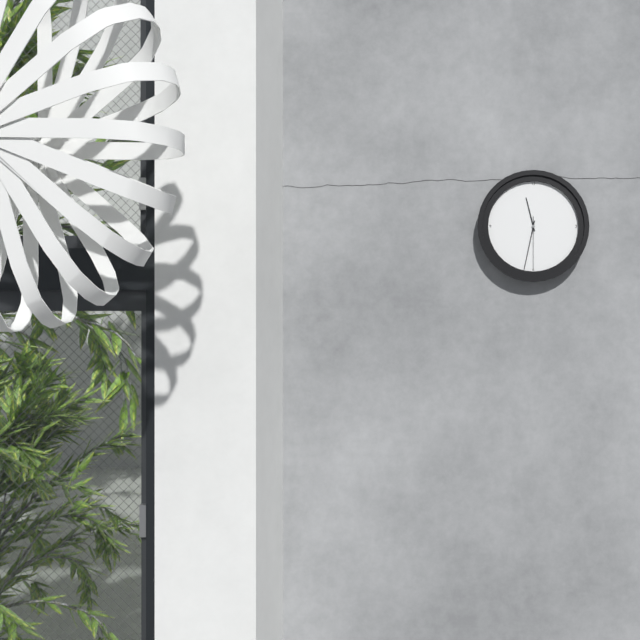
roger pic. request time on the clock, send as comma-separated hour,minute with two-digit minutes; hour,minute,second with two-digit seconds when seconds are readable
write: 11,32,30
